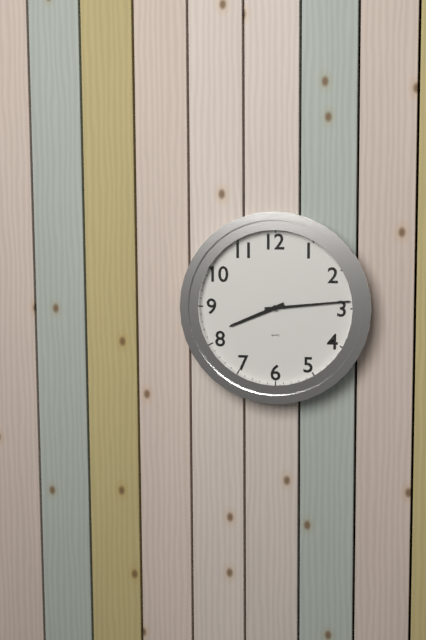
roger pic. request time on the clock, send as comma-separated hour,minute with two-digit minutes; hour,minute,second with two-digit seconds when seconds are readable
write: 8,14
